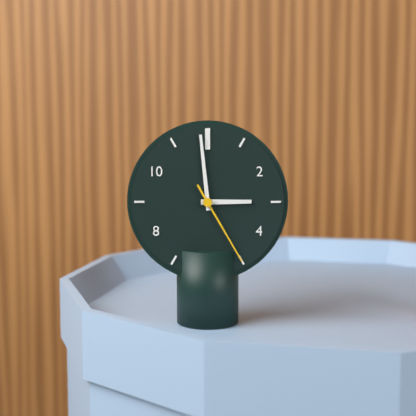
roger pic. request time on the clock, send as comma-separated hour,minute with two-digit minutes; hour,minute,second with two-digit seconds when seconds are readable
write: 2,59,25
